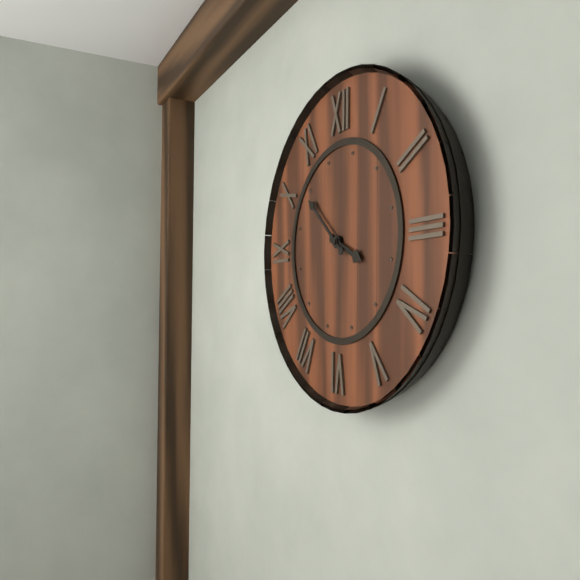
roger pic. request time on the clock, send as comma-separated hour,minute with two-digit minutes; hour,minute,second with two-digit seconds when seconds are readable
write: 3,52
